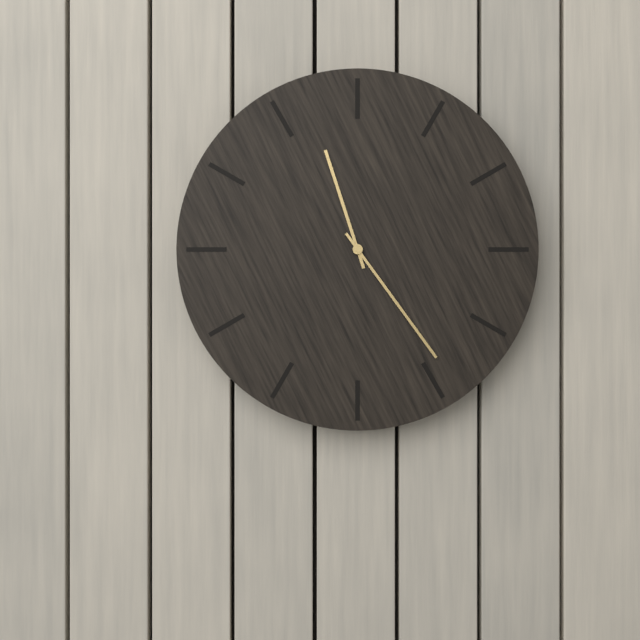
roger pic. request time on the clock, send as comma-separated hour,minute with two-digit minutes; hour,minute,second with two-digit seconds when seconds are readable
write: 11,24
